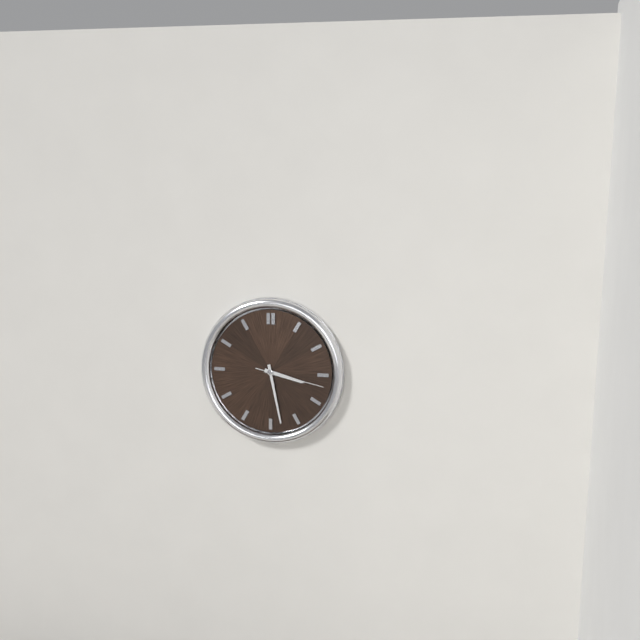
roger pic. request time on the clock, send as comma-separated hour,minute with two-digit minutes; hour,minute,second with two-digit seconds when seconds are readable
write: 3,28,17
